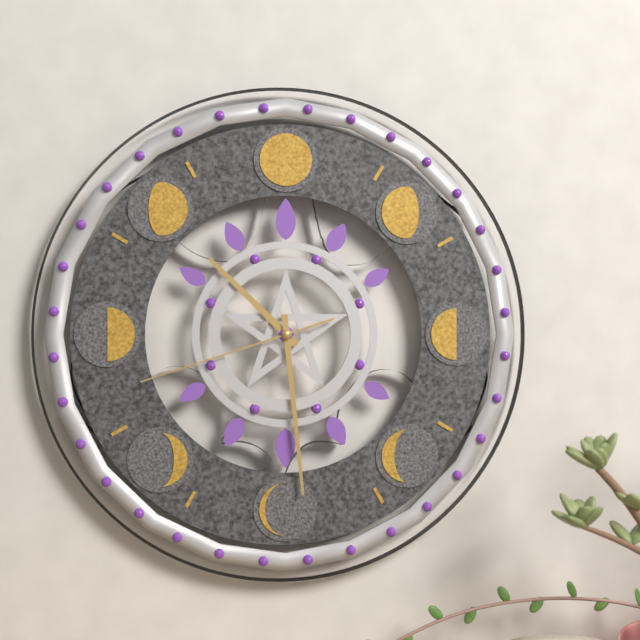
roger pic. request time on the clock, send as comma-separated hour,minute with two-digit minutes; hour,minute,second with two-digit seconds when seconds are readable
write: 10,29,42
